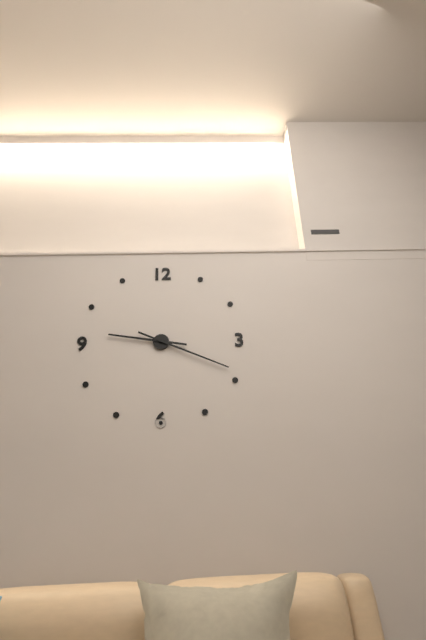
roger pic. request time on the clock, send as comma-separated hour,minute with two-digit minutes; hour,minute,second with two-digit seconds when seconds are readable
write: 9,19
